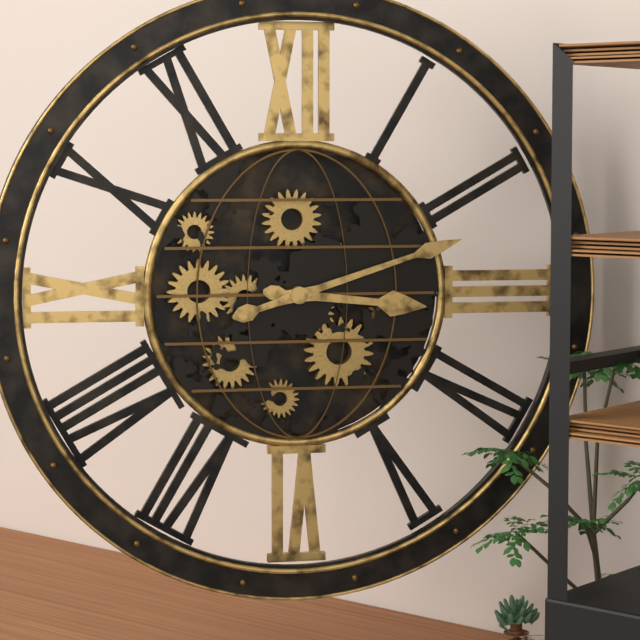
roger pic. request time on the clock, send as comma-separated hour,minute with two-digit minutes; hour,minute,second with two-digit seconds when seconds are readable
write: 3,12
